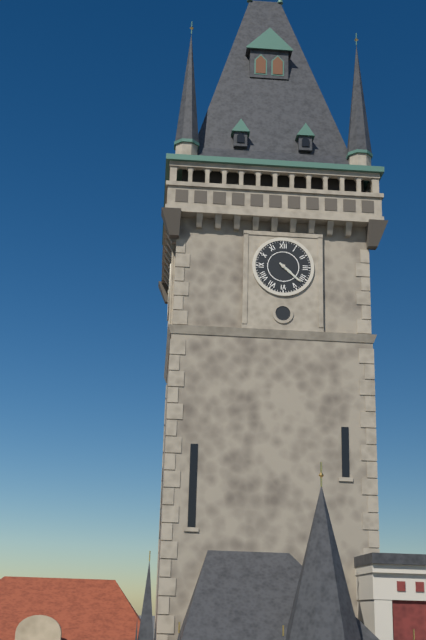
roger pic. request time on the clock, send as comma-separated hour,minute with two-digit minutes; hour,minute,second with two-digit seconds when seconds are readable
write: 4,22
